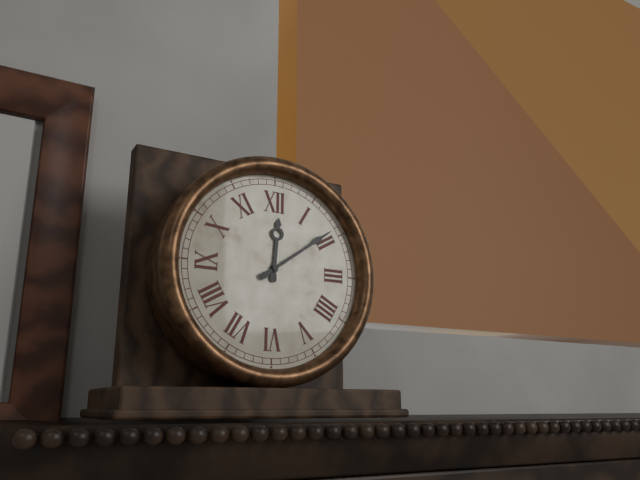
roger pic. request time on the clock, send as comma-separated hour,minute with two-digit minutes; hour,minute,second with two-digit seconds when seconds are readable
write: 12,09
